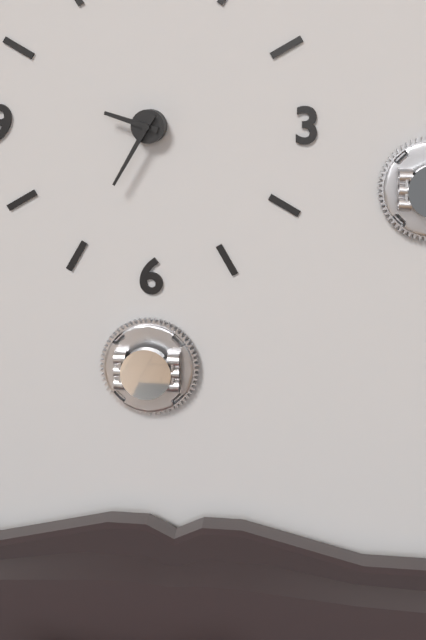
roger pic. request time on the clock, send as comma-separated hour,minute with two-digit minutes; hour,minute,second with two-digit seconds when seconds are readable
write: 9,35
